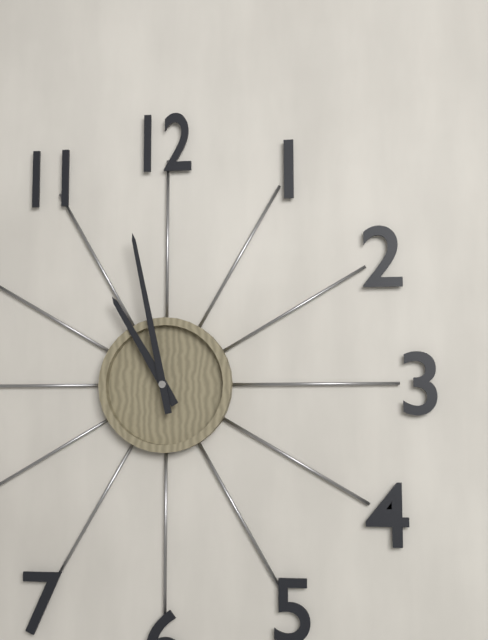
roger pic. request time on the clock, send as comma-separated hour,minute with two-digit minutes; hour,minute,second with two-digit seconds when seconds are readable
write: 10,58
